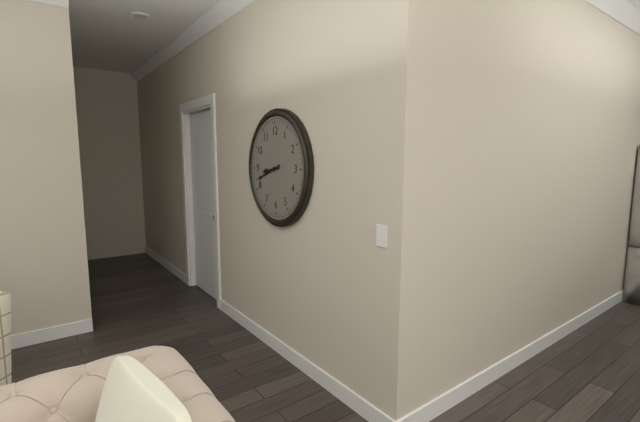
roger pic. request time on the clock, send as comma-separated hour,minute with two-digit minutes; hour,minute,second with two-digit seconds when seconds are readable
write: 8,42
